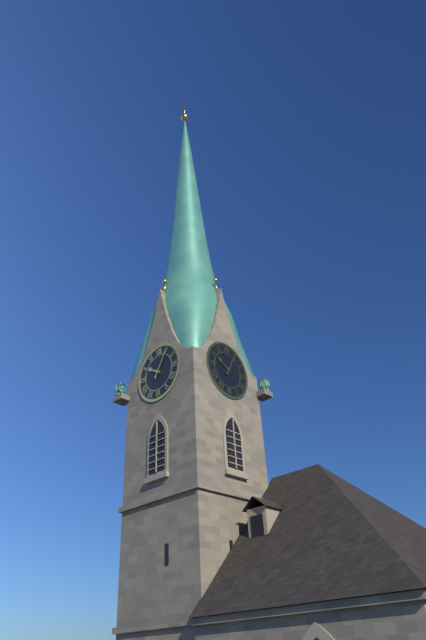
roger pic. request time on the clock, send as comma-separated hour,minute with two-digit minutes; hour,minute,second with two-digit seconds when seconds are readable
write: 10,05
